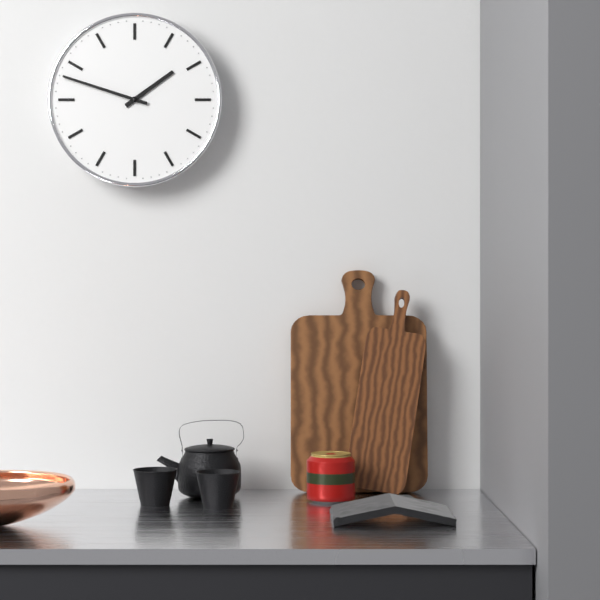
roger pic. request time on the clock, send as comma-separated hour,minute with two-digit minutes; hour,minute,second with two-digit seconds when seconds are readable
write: 1,48
